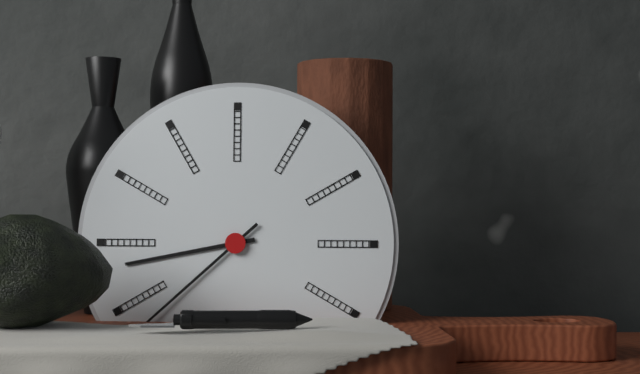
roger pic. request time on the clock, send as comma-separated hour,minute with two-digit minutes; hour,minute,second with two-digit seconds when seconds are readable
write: 8,38
